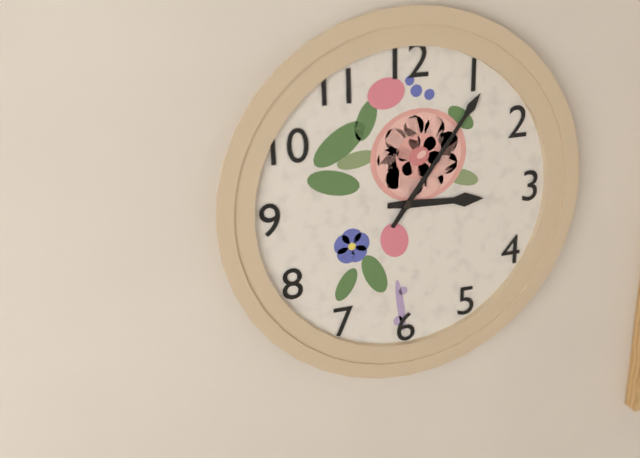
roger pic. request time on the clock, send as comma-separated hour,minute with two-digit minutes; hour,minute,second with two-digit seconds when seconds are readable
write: 3,06
